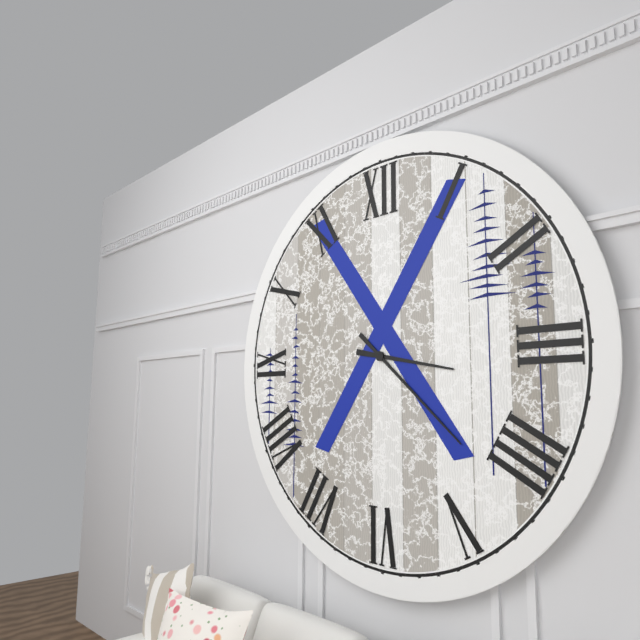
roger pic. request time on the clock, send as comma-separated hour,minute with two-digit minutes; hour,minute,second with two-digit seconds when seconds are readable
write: 3,22
